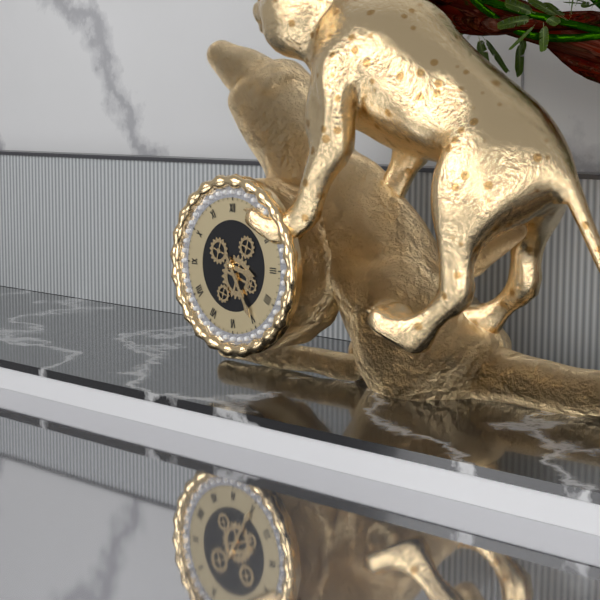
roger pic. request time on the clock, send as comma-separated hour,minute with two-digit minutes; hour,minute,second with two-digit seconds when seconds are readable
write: 3,25
